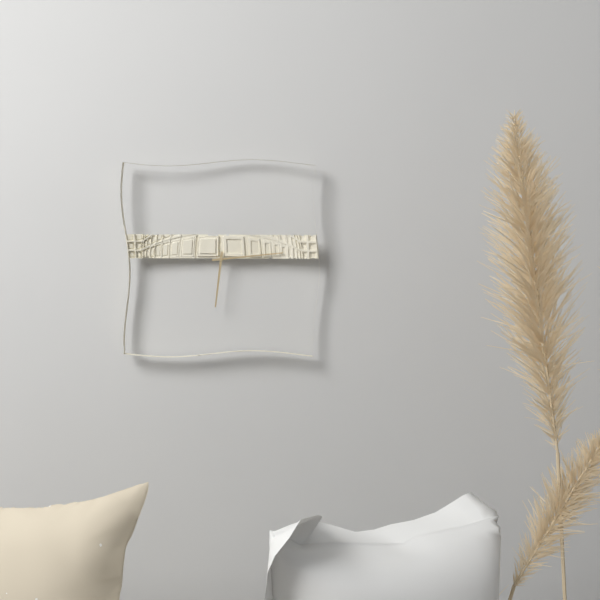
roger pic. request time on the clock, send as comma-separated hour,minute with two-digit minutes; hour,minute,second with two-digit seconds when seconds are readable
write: 6,14
